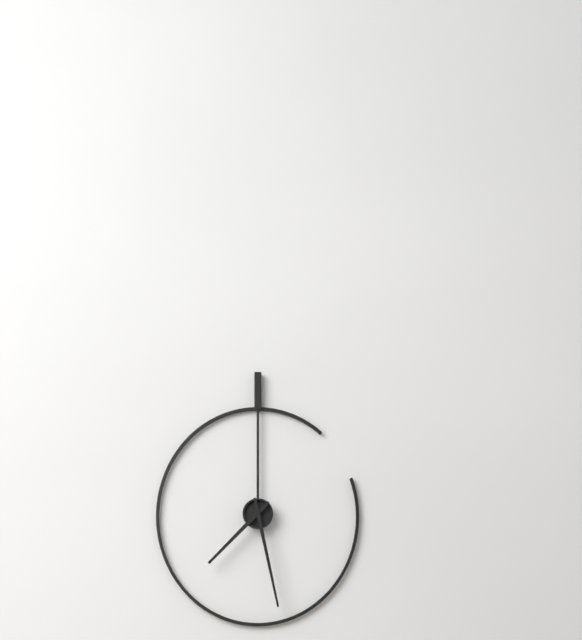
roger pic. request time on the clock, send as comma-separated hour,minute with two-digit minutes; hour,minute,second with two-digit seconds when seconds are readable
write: 7,28
